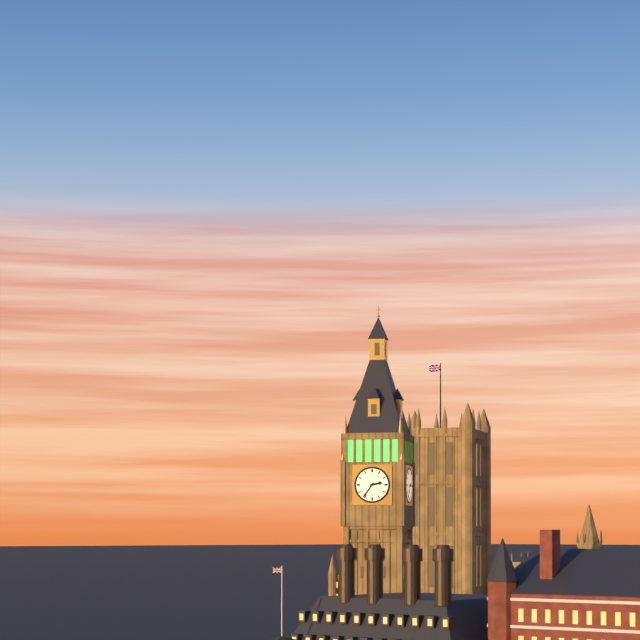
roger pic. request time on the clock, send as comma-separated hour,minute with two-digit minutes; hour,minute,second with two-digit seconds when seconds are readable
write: 2,36
